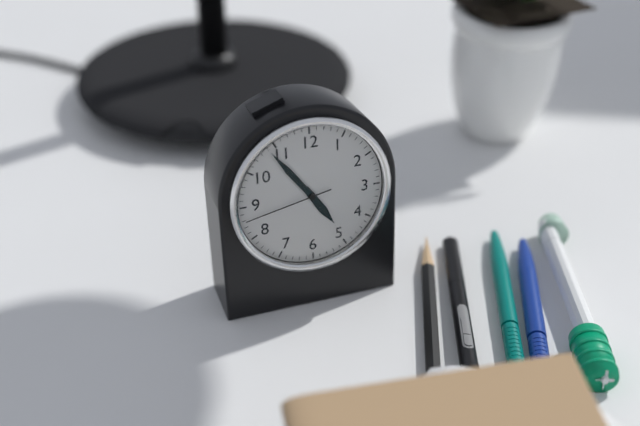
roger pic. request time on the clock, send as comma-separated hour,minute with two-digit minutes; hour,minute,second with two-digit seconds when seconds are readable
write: 4,54,43
